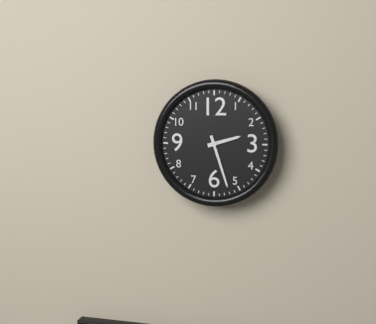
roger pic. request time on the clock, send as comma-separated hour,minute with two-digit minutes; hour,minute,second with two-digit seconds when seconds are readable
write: 2,27
